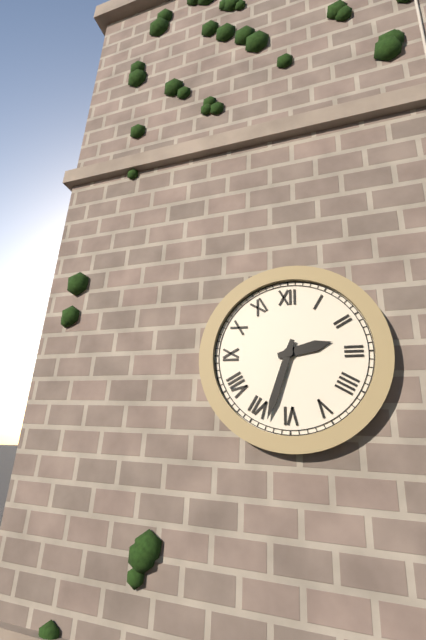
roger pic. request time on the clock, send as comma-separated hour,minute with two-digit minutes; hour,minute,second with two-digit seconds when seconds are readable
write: 2,33
